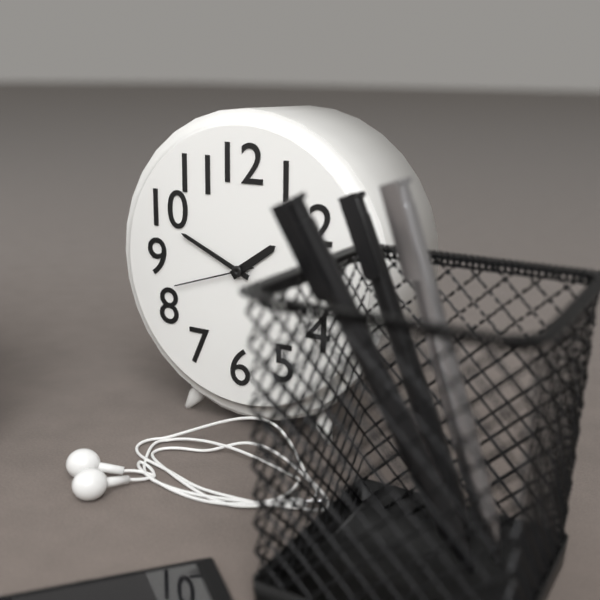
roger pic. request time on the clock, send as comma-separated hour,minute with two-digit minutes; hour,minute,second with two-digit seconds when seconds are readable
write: 1,49,42
